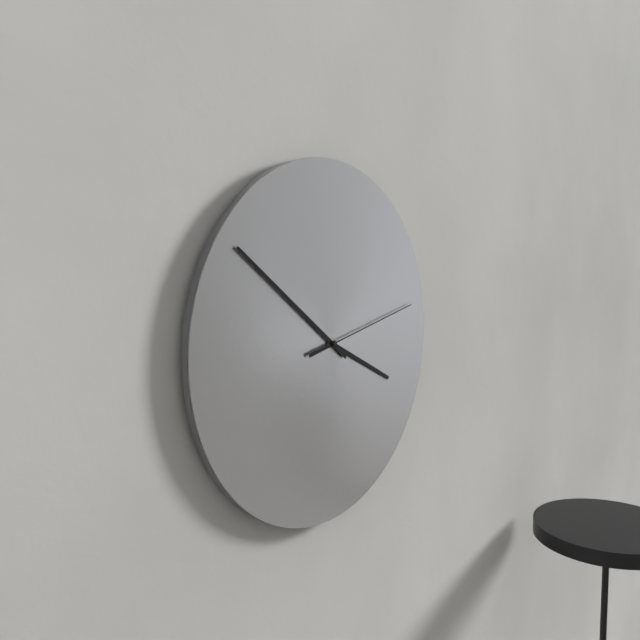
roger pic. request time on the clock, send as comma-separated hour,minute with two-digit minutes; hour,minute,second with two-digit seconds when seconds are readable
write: 3,51,13
